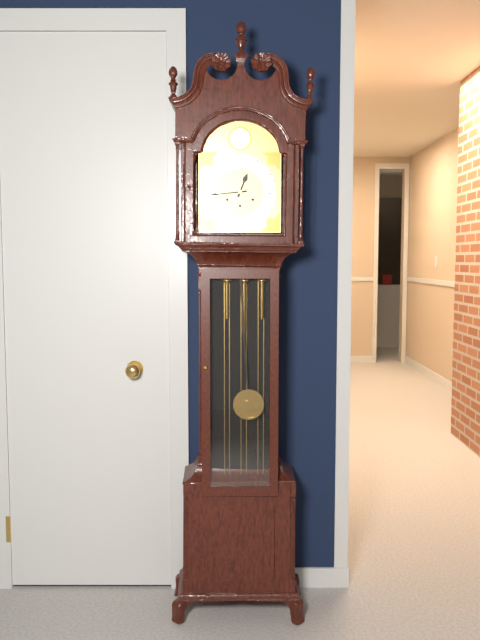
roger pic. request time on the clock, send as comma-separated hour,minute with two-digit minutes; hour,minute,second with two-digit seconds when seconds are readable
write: 12,44
